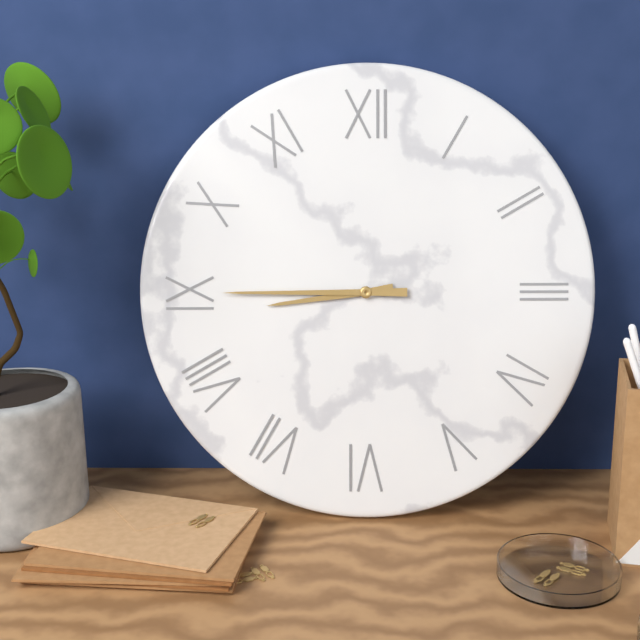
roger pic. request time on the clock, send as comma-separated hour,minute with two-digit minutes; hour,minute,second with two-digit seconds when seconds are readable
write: 8,45
